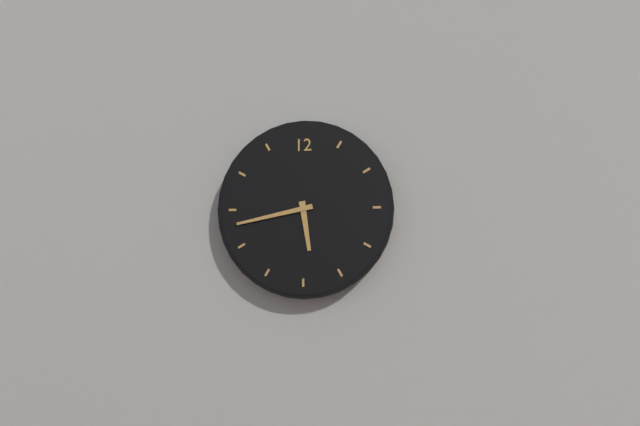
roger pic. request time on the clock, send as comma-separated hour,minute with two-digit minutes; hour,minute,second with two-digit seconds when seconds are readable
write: 5,43
